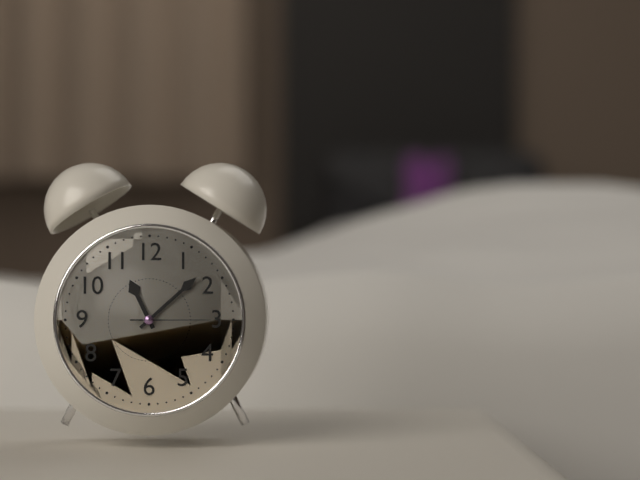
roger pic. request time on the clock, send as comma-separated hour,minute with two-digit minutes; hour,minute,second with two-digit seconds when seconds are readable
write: 11,08,15
